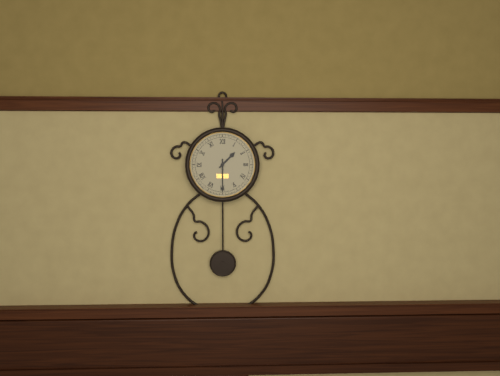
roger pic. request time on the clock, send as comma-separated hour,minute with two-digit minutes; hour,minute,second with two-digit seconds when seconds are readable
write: 1,30
